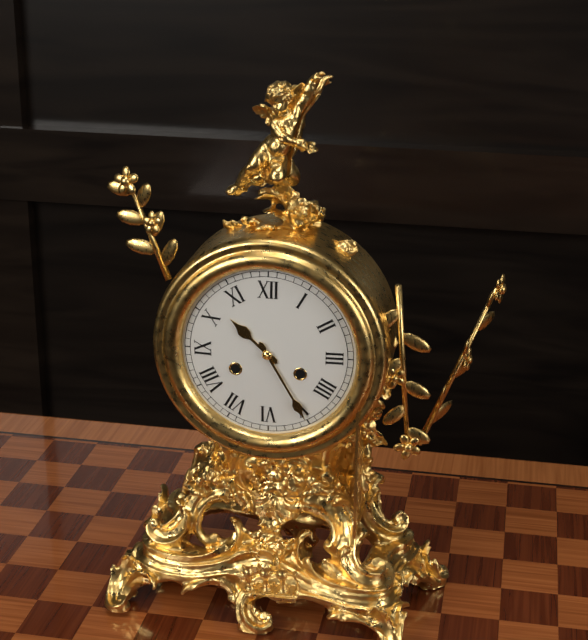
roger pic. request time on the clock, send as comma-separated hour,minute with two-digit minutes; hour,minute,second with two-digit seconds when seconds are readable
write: 10,25
